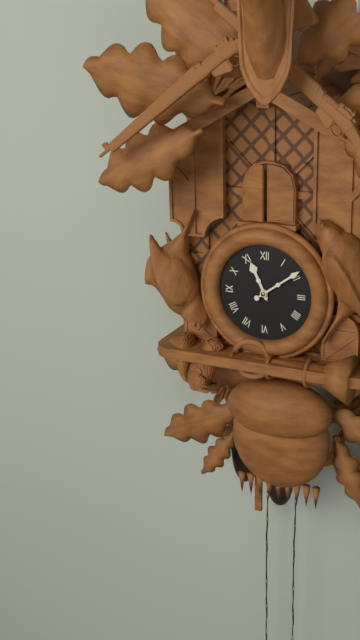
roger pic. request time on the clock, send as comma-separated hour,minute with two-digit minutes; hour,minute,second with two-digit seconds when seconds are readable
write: 11,09
